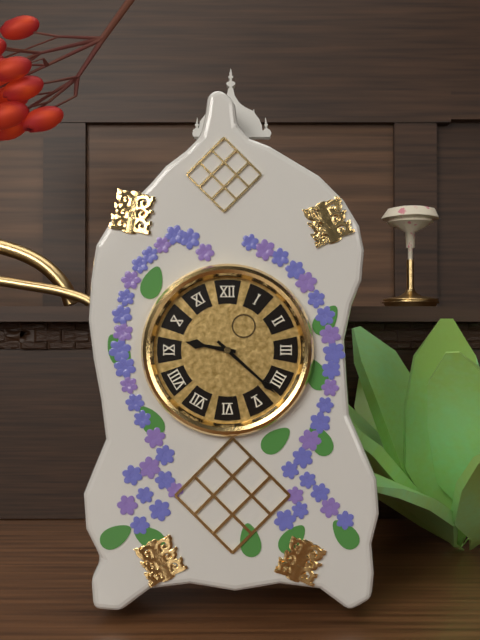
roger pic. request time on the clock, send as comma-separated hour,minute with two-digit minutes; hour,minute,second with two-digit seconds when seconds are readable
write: 9,22
